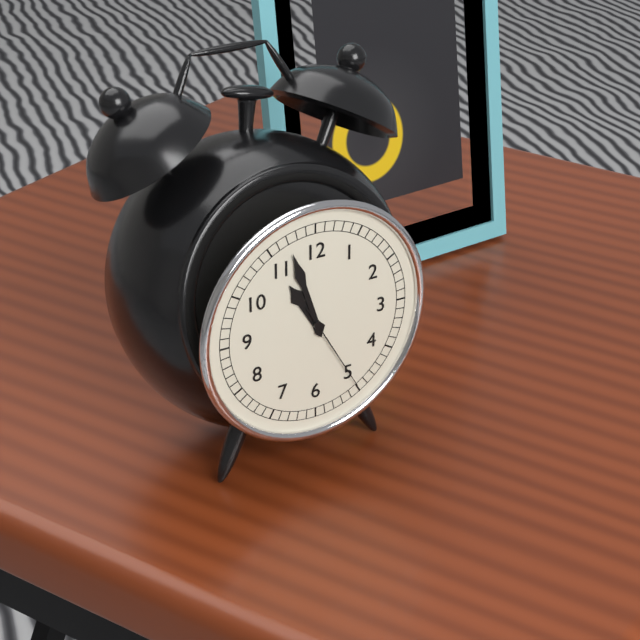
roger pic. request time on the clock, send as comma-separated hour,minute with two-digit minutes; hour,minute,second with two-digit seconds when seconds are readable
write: 10,57,25
